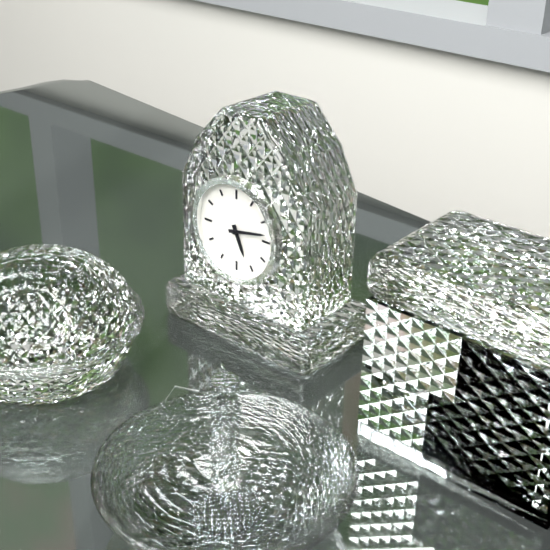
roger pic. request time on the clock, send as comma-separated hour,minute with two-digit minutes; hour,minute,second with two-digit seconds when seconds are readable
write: 5,13
